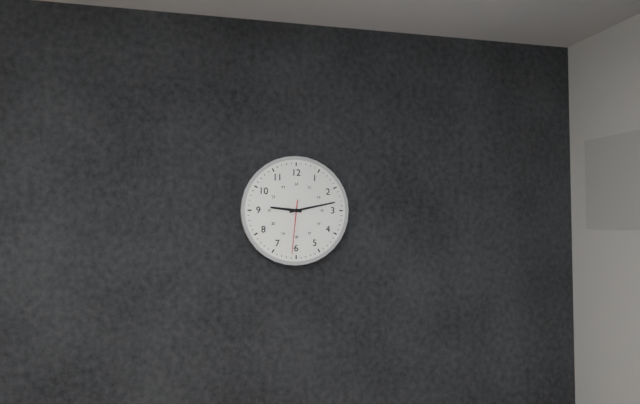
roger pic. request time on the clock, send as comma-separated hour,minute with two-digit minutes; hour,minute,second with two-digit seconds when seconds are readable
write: 9,13,31
